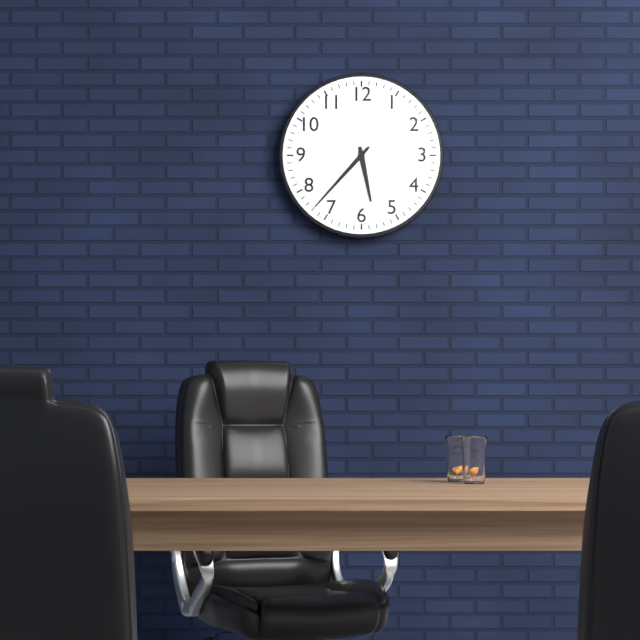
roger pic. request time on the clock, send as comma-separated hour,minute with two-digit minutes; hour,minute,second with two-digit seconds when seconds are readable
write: 5,37
